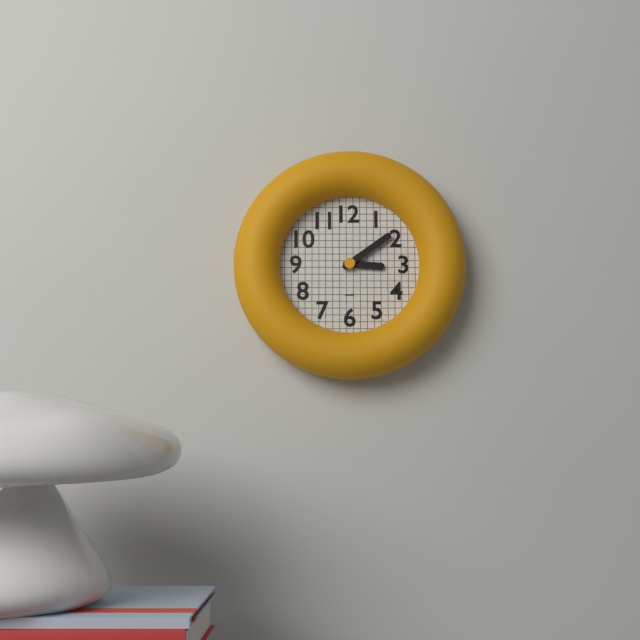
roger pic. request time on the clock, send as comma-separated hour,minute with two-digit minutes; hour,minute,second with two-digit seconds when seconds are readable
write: 3,09
